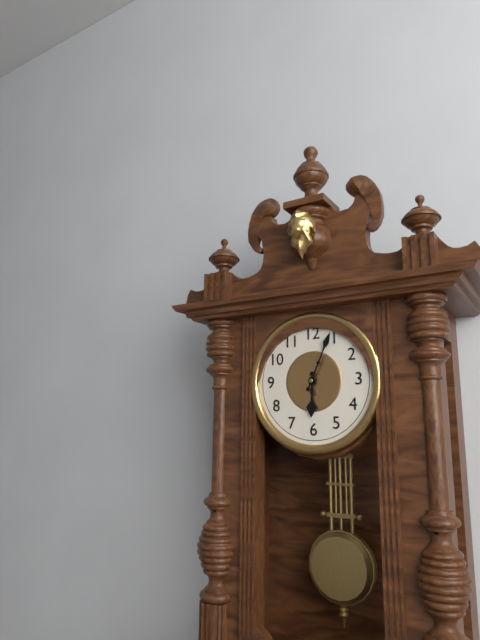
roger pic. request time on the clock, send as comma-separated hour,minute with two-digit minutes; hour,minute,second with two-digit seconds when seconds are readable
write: 6,04
